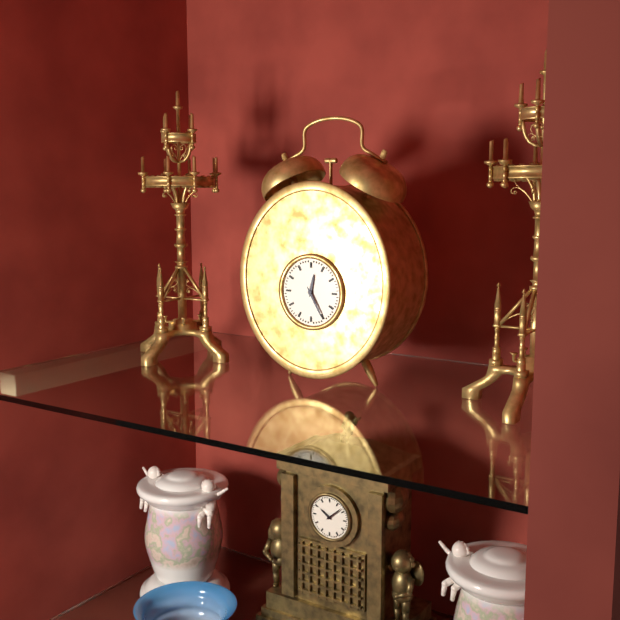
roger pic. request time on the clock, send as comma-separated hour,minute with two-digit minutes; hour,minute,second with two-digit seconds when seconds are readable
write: 12,25
